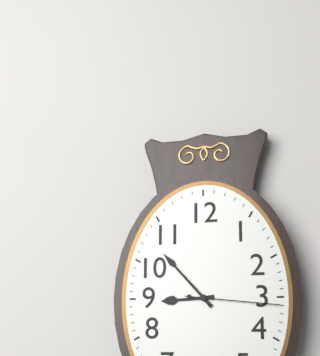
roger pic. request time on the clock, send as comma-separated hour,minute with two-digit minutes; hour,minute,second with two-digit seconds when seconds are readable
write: 8,53,16
